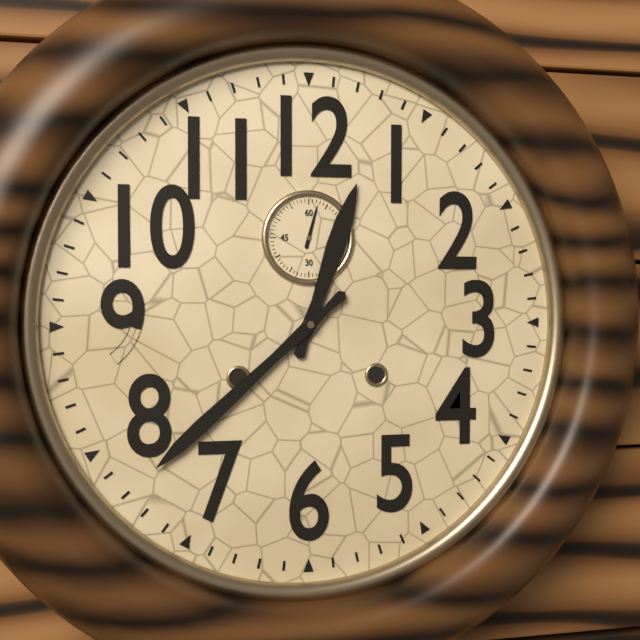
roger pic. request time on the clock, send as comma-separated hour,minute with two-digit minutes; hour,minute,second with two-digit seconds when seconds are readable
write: 12,38
